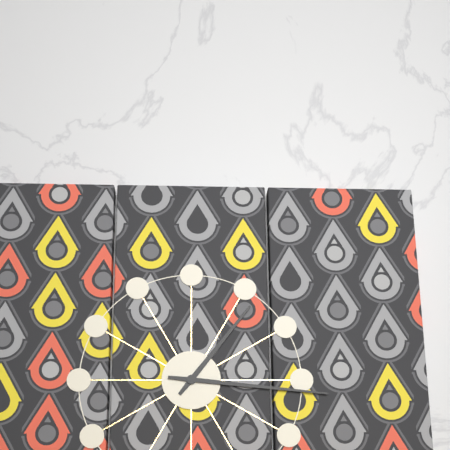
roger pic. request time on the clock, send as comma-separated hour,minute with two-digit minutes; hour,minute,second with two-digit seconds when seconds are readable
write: 1,16
